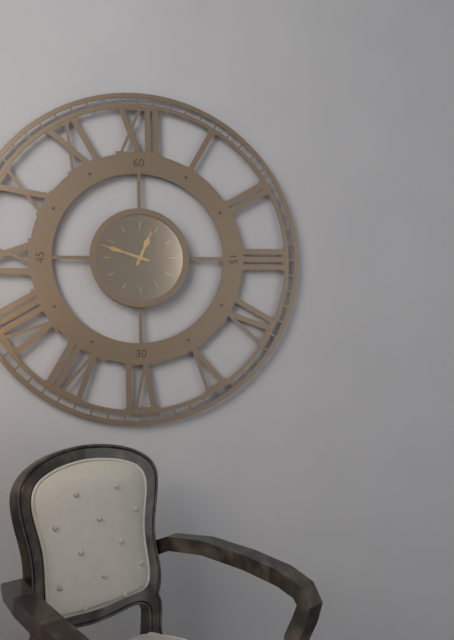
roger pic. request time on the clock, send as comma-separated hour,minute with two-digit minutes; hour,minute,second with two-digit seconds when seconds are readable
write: 12,48
